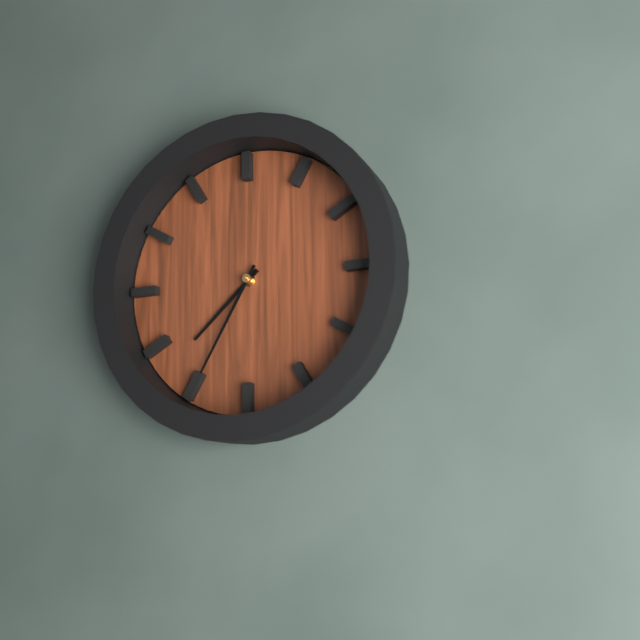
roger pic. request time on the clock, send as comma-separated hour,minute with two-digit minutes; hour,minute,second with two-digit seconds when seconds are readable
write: 7,35
